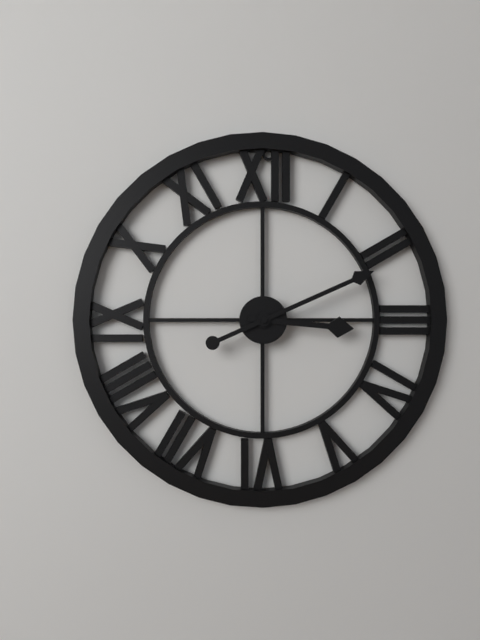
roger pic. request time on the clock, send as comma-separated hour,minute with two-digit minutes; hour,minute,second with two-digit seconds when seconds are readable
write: 3,11
